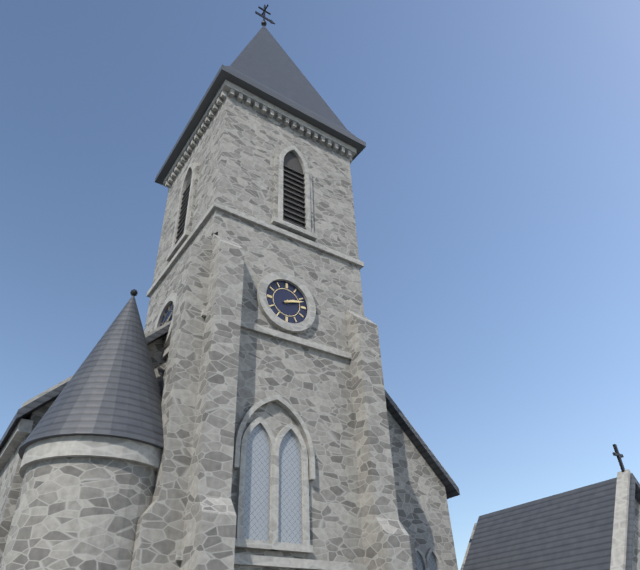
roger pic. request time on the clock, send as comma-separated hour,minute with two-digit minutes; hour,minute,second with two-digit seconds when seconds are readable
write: 2,12
